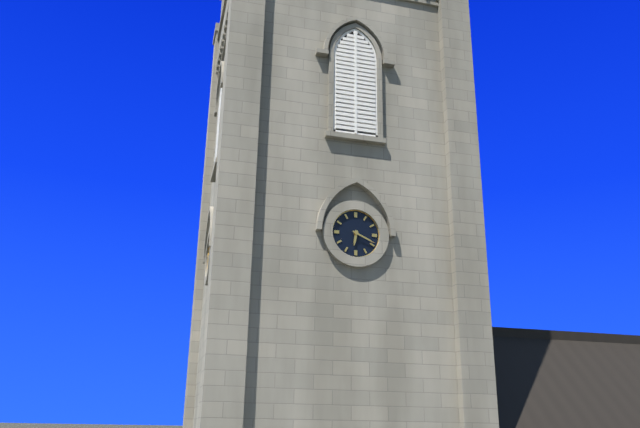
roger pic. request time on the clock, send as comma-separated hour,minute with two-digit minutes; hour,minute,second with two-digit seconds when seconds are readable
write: 6,19
